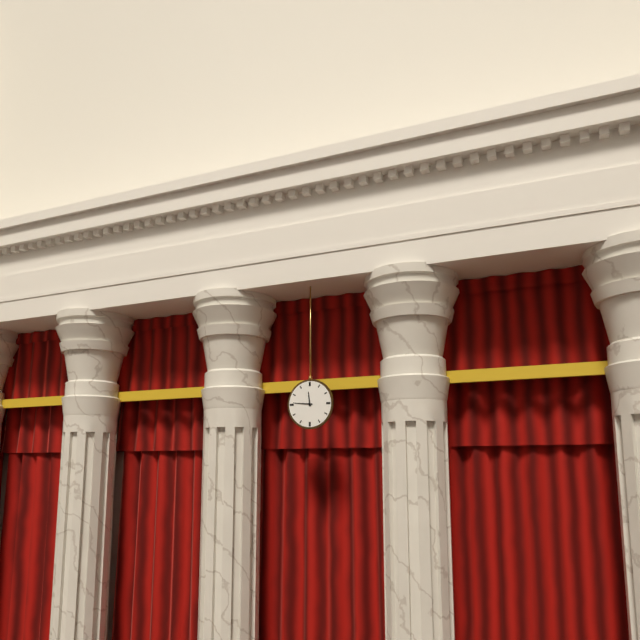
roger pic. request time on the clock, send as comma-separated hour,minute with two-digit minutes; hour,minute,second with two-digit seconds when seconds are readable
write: 11,46
